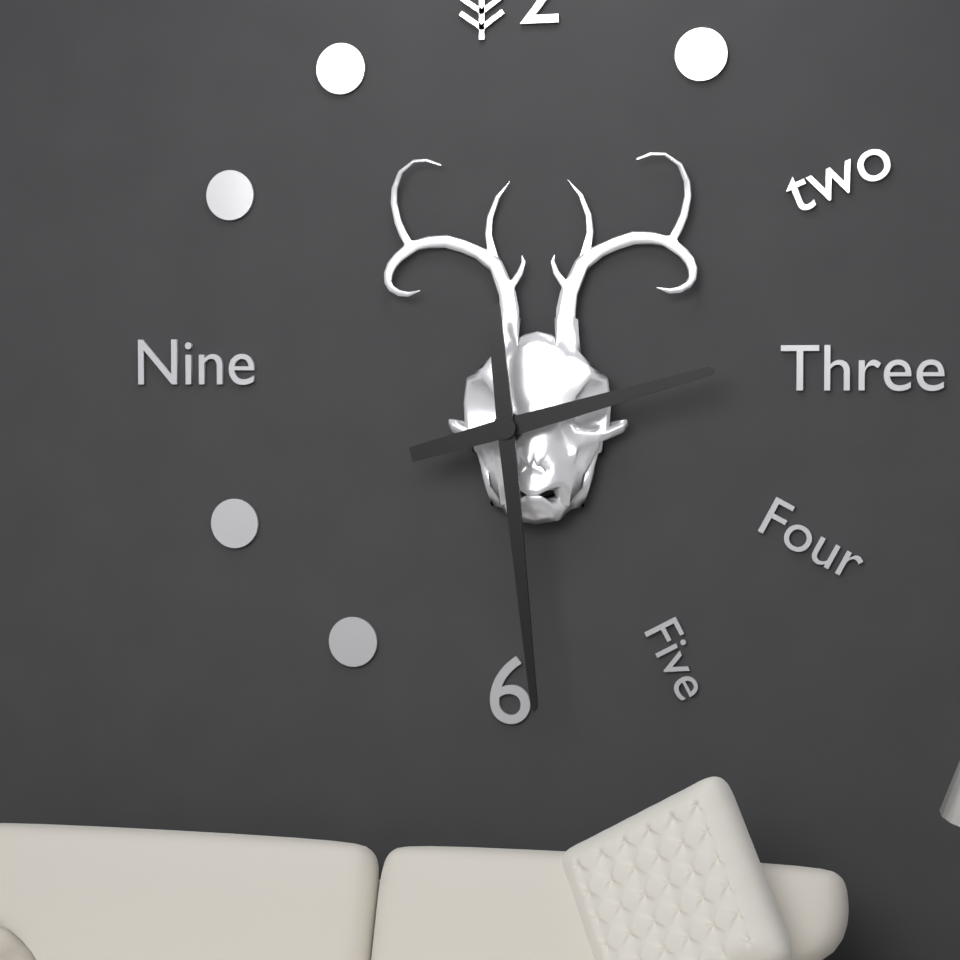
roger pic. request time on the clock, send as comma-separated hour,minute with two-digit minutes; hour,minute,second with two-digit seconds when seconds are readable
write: 2,29
